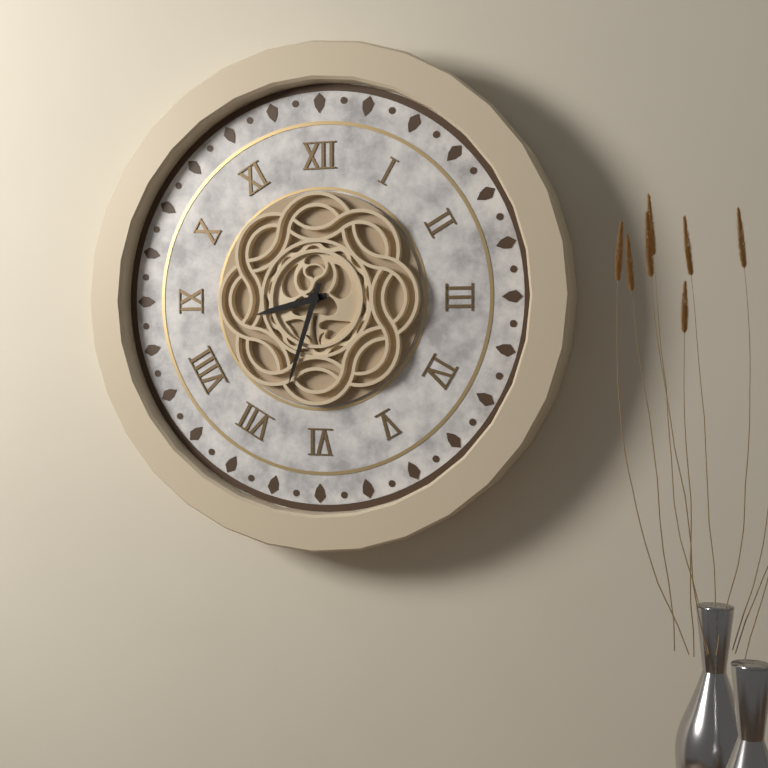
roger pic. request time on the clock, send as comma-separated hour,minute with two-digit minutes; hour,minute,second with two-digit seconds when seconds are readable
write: 8,33
